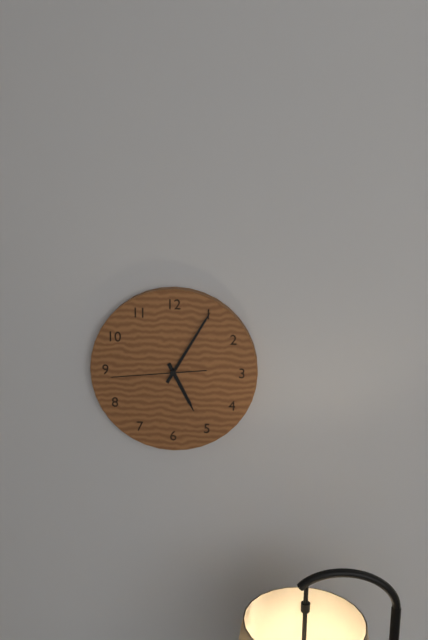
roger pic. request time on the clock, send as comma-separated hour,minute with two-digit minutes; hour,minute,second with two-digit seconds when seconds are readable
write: 5,05,44
